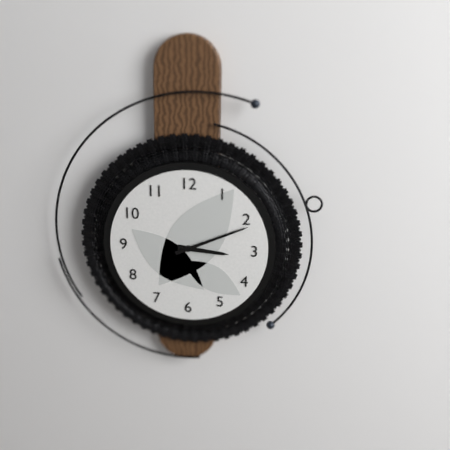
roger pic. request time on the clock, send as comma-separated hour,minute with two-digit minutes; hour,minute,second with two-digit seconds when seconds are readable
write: 3,11
